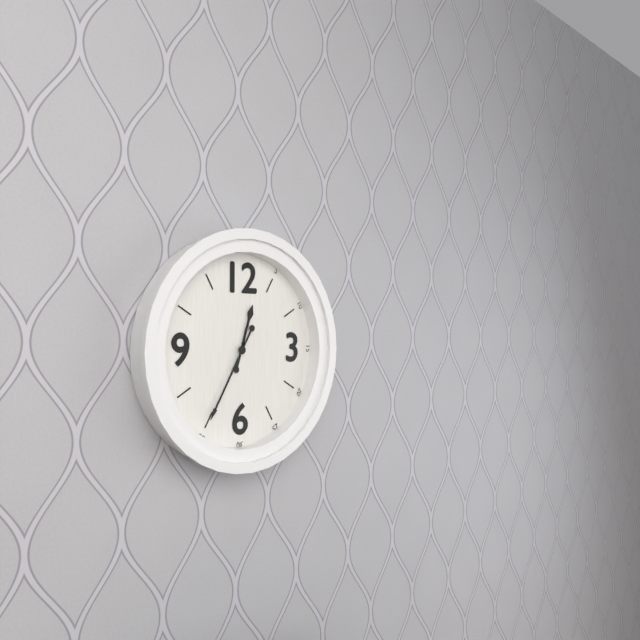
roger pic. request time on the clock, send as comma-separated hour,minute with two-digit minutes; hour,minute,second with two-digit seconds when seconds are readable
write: 12,35
